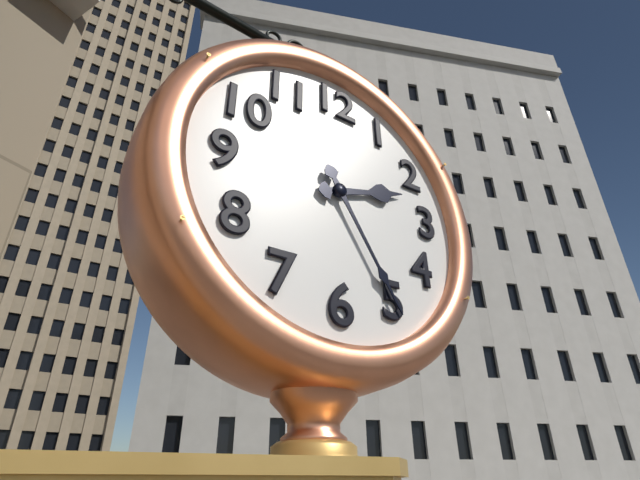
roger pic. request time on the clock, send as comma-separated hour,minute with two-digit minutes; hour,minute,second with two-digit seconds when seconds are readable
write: 2,25
